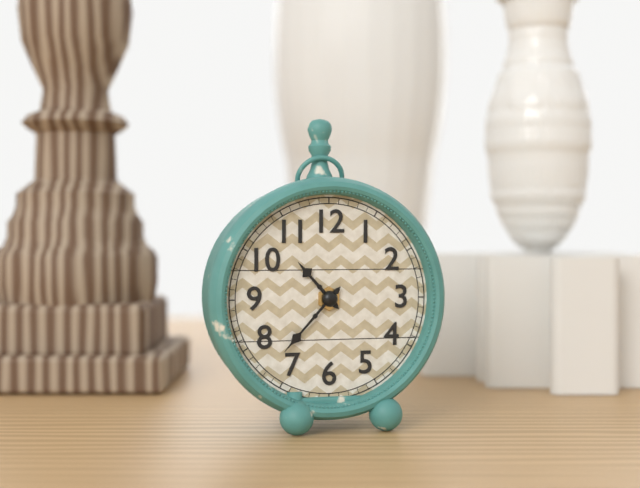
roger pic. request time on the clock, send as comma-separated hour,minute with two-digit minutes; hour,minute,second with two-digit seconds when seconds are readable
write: 10,37
